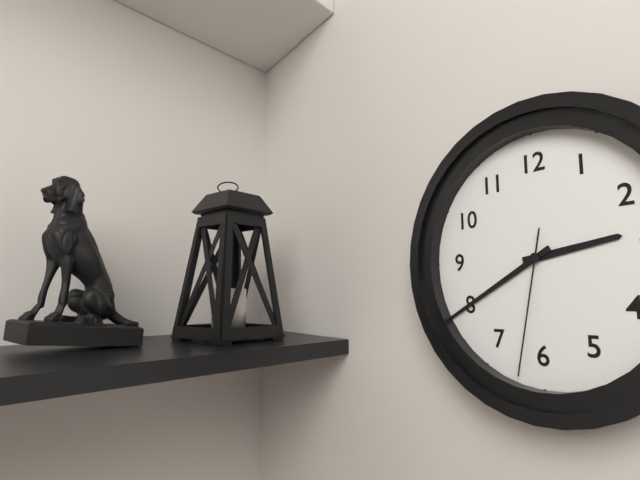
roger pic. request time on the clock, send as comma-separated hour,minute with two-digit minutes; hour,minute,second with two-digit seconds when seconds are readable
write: 2,40,32
